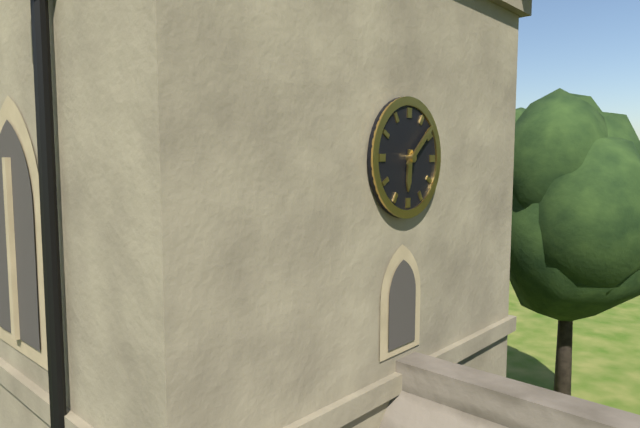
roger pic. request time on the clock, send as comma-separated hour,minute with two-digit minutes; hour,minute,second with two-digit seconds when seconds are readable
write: 6,08
